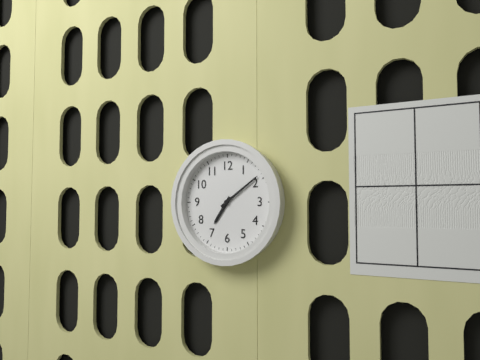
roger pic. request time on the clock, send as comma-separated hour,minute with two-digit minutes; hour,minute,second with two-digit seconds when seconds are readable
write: 7,09
